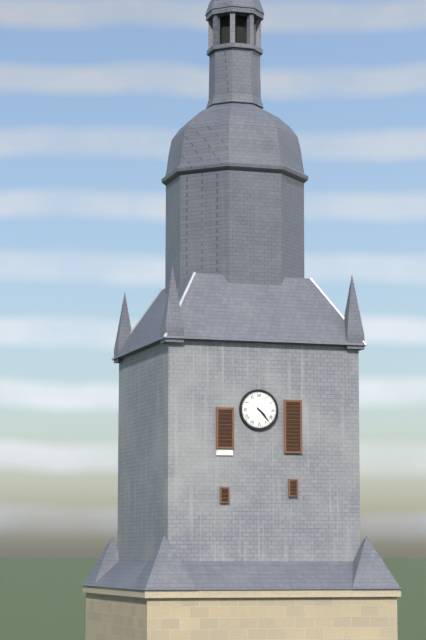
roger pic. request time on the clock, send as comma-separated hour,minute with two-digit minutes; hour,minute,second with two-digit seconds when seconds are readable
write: 4,23
